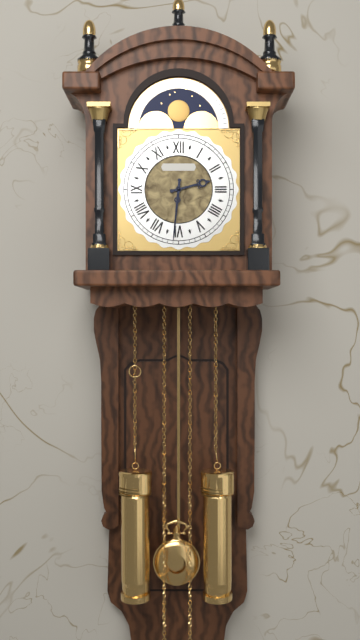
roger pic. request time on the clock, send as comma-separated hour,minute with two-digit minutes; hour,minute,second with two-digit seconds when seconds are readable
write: 2,31
